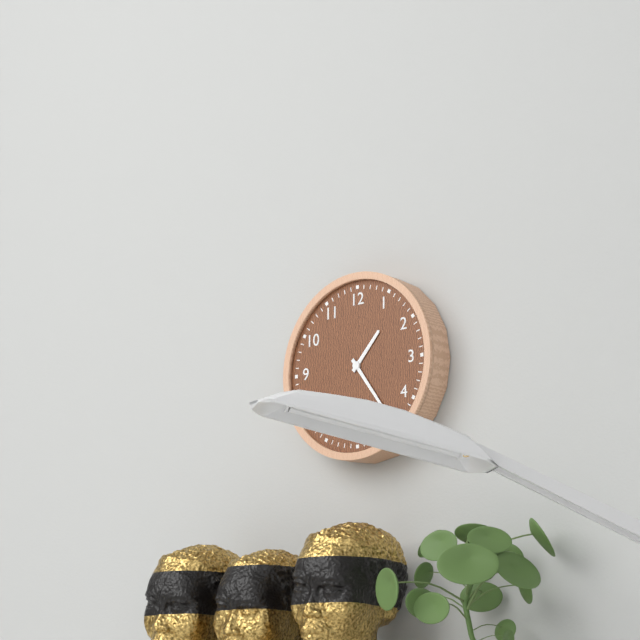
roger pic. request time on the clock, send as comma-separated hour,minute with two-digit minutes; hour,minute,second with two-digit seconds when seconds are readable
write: 1,24
